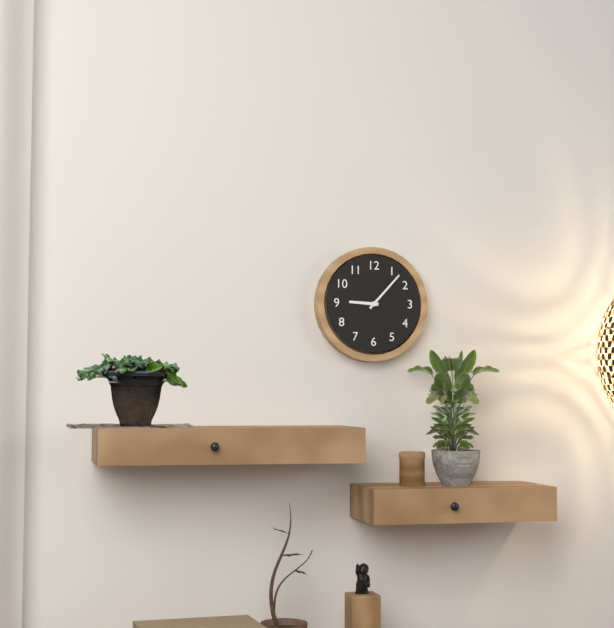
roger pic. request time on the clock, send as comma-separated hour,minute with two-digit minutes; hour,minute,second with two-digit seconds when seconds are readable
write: 9,07
